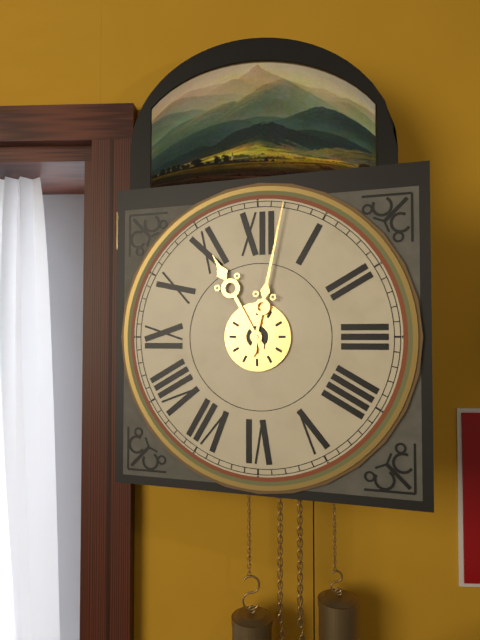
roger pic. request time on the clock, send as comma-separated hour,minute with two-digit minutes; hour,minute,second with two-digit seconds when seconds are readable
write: 11,02
